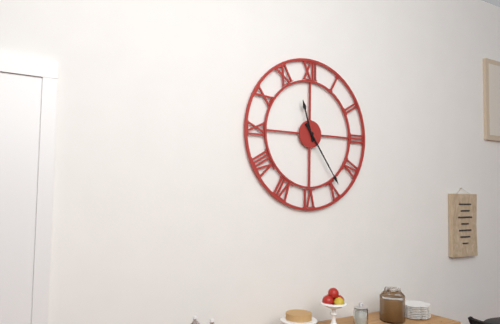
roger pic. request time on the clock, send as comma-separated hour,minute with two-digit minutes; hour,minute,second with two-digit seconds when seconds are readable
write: 11,24
